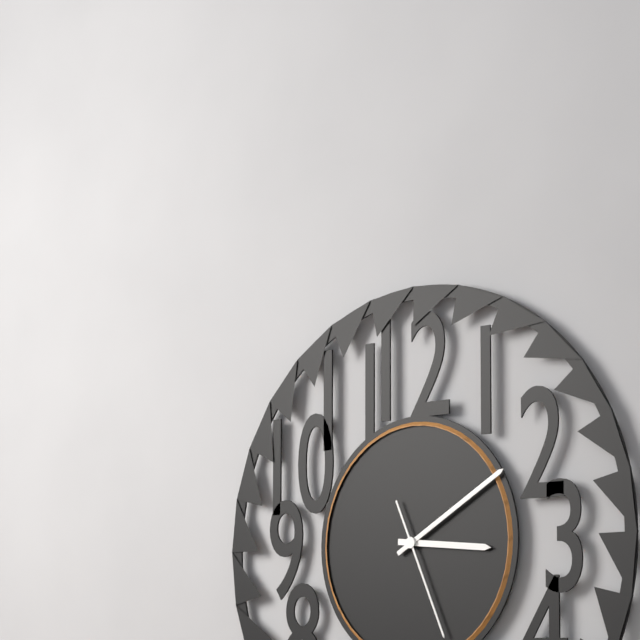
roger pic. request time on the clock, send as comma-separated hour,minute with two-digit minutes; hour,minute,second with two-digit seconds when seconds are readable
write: 3,10,26
